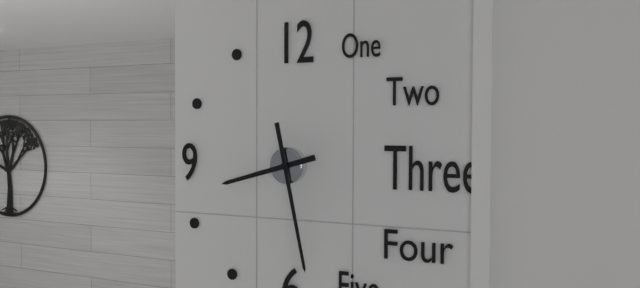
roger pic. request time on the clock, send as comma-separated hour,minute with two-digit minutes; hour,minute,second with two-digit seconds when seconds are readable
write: 8,28
